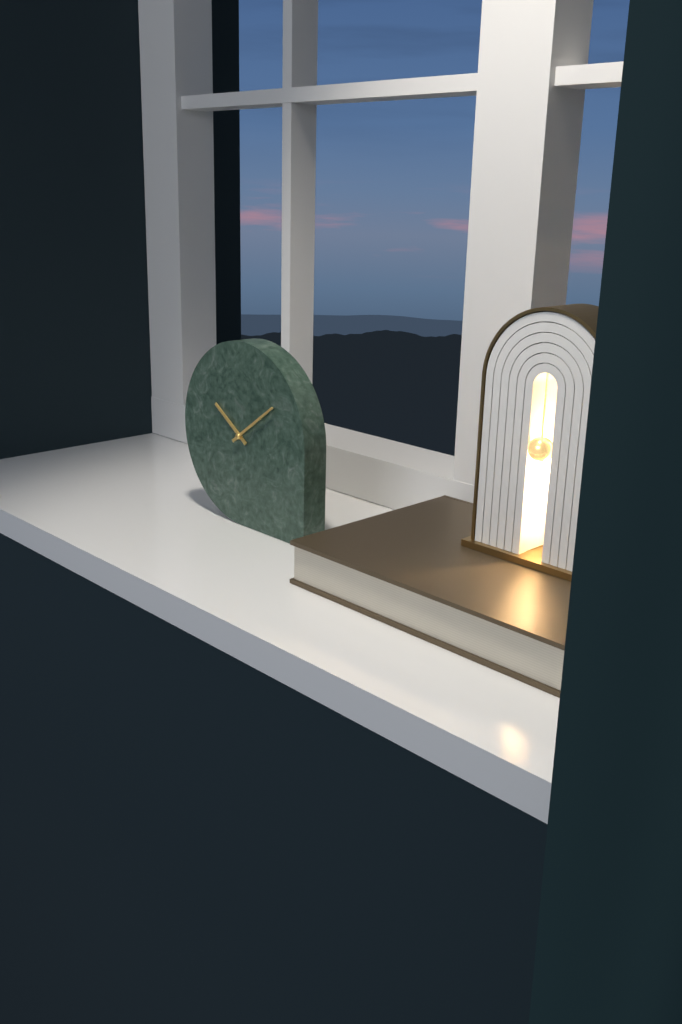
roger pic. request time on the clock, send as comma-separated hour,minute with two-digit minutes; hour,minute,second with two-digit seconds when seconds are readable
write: 10,09
